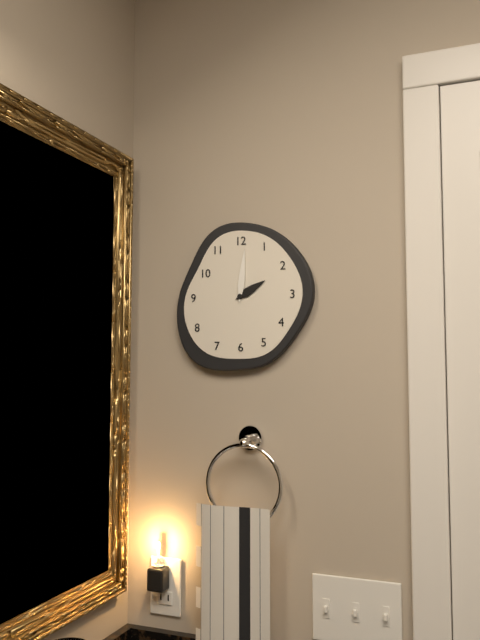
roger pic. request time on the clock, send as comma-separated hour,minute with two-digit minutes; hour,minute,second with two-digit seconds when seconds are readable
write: 2,01
